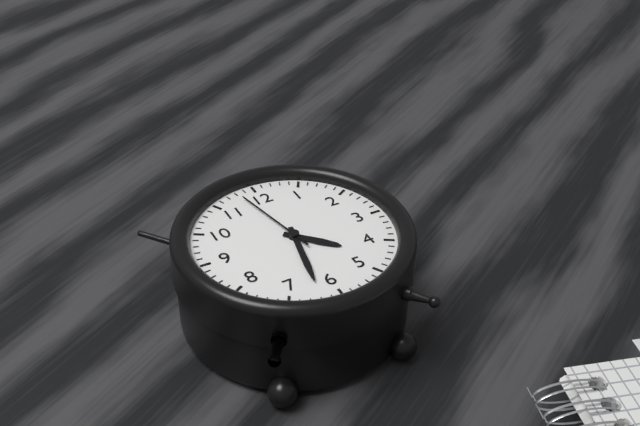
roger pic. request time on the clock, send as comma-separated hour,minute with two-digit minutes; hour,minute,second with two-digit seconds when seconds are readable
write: 4,32,58
